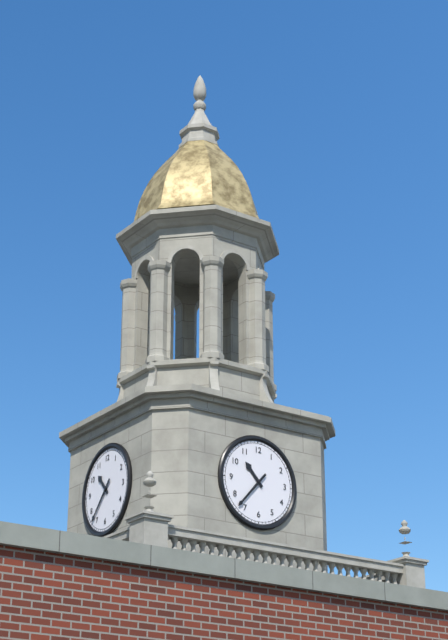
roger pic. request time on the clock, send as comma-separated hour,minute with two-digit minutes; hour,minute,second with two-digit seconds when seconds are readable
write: 10,37
